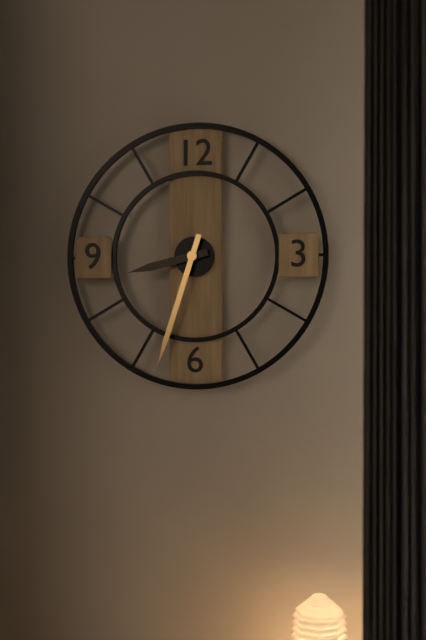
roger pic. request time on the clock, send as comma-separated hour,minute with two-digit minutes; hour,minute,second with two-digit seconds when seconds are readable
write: 8,33
